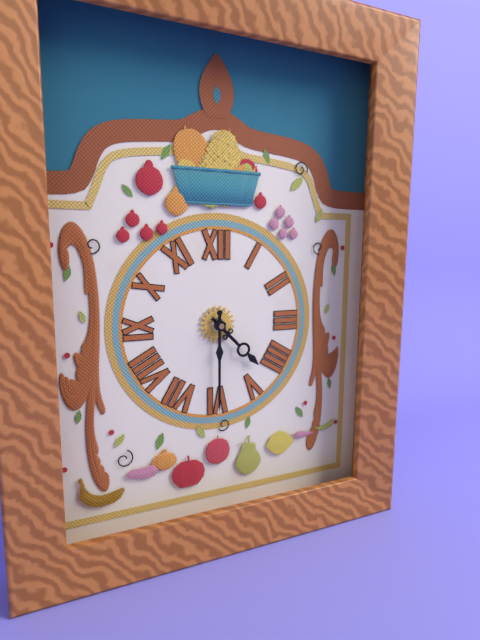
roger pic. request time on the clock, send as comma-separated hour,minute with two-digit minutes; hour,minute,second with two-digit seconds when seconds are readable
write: 4,30
